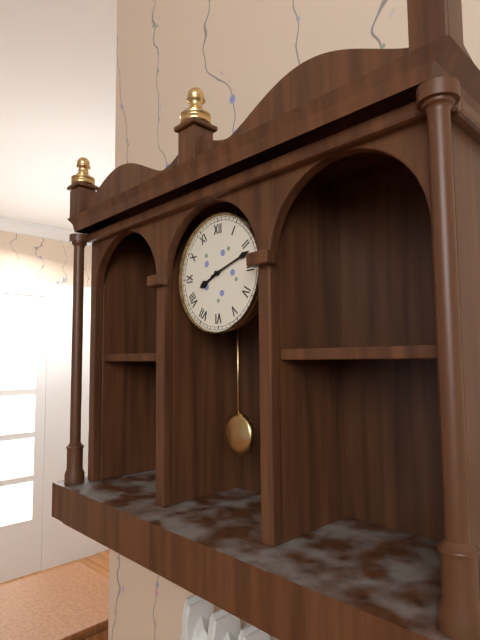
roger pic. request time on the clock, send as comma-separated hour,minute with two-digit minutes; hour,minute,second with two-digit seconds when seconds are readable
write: 8,12
